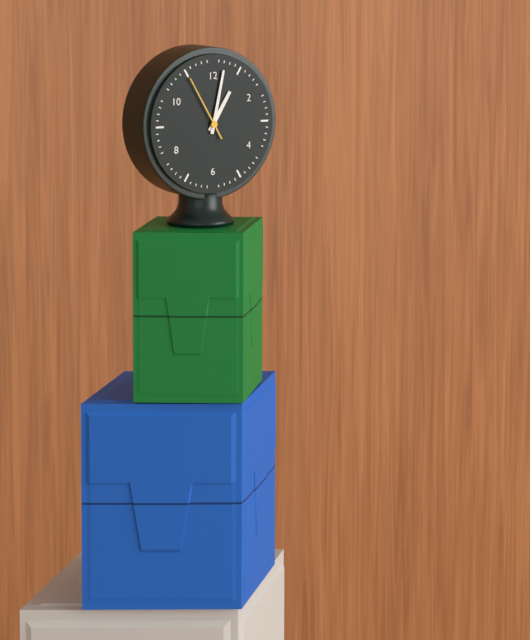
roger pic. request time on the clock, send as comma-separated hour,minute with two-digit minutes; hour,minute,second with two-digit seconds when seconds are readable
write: 1,02,55
